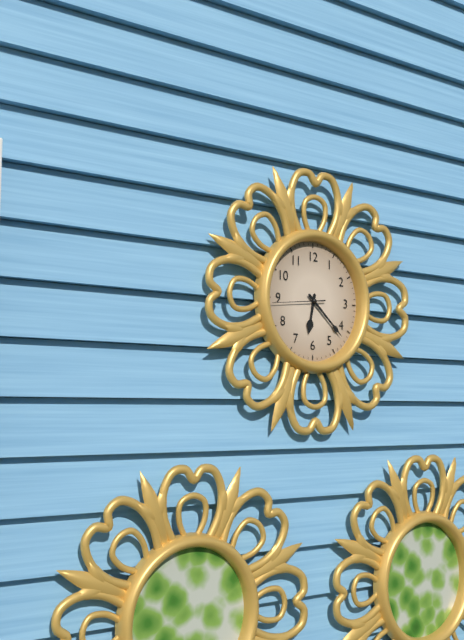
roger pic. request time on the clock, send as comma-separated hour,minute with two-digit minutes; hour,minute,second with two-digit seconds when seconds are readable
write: 6,22
